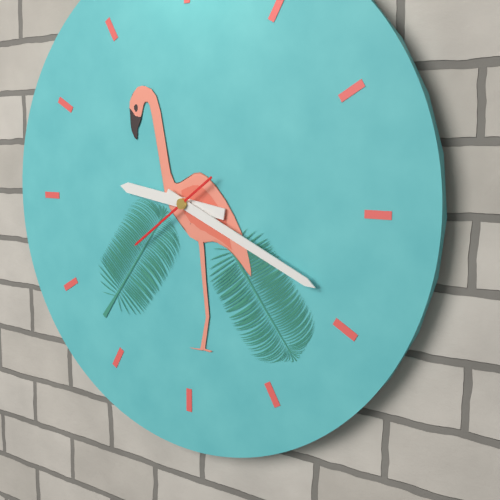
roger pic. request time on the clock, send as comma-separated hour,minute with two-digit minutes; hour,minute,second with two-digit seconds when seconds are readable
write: 9,19,39
